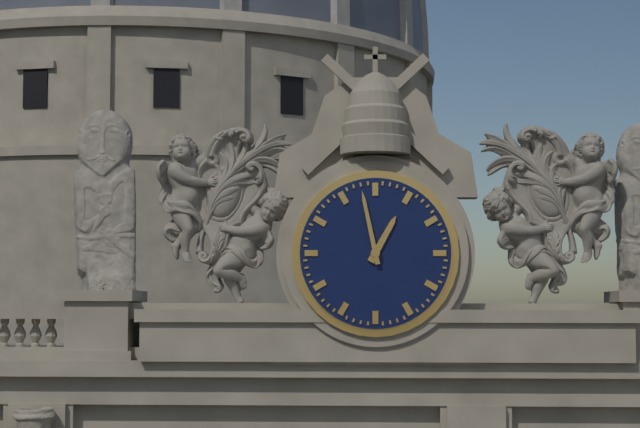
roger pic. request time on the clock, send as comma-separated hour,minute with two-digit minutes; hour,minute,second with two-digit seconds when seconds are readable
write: 12,58
